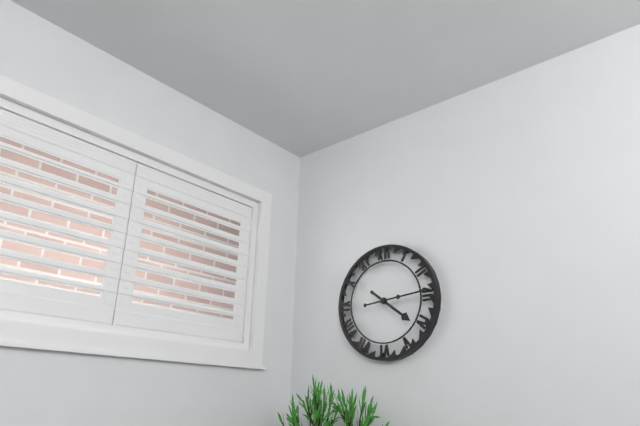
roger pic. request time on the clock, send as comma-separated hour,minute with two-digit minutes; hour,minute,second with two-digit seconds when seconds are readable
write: 4,14
